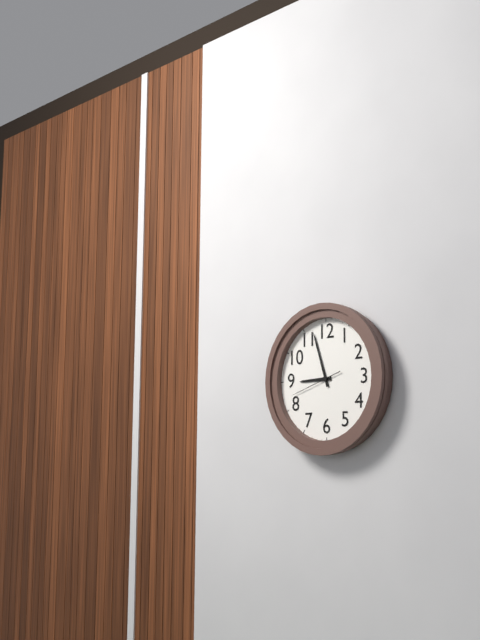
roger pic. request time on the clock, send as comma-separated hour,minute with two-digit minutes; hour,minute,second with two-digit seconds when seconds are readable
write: 8,57
